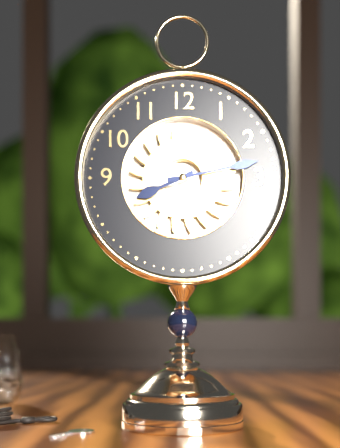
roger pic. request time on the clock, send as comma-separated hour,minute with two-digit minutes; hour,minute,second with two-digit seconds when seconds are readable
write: 8,13
